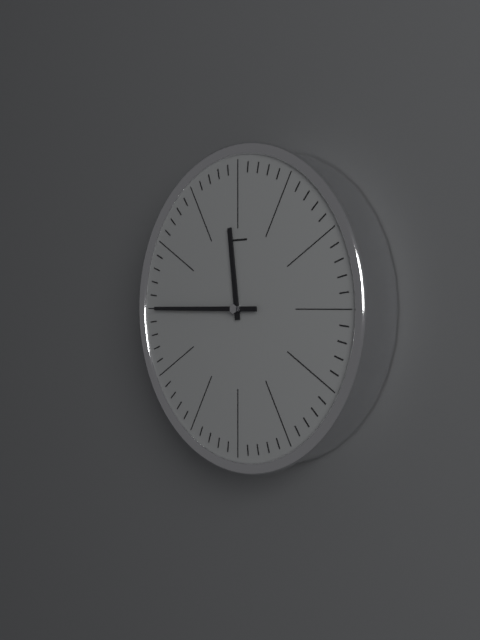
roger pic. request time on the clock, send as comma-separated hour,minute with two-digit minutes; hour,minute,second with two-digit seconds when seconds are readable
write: 11,45
